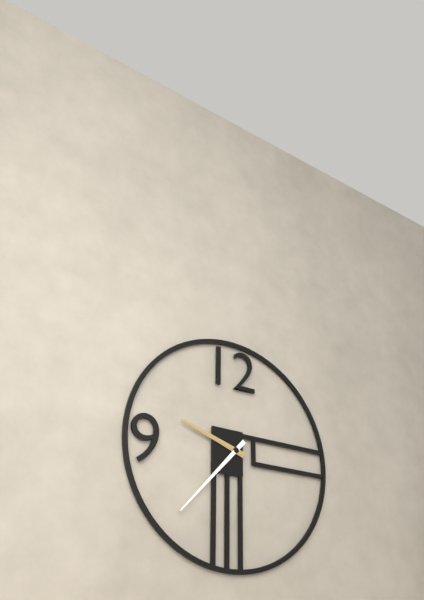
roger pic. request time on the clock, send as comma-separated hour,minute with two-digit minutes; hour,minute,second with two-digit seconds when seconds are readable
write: 9,37
